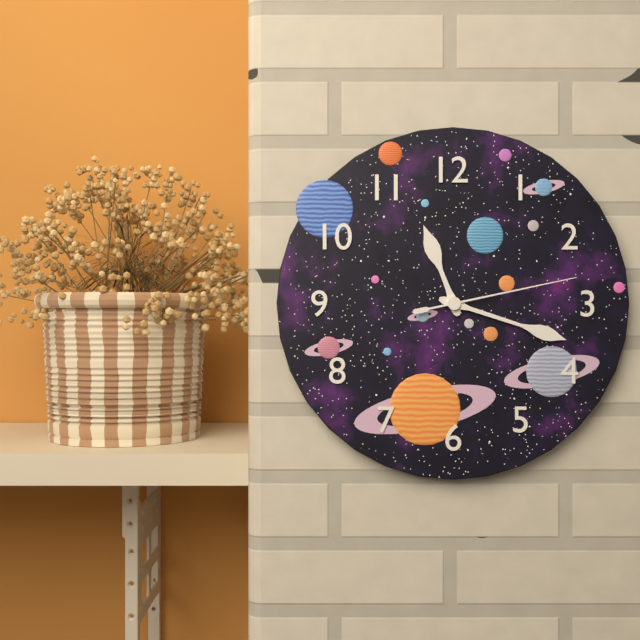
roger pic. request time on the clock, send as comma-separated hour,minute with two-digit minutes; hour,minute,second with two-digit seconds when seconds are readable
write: 11,18,13
